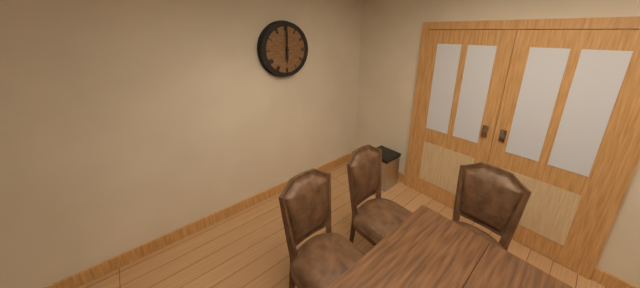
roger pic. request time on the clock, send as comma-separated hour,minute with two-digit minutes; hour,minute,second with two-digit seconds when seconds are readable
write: 6,00
